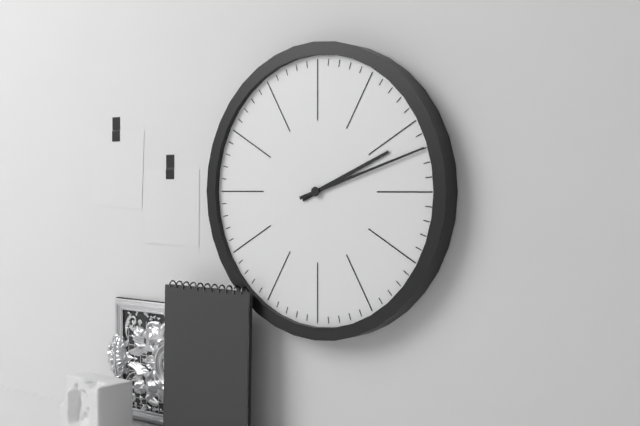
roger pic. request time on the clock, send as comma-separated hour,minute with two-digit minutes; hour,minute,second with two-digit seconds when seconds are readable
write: 2,12
